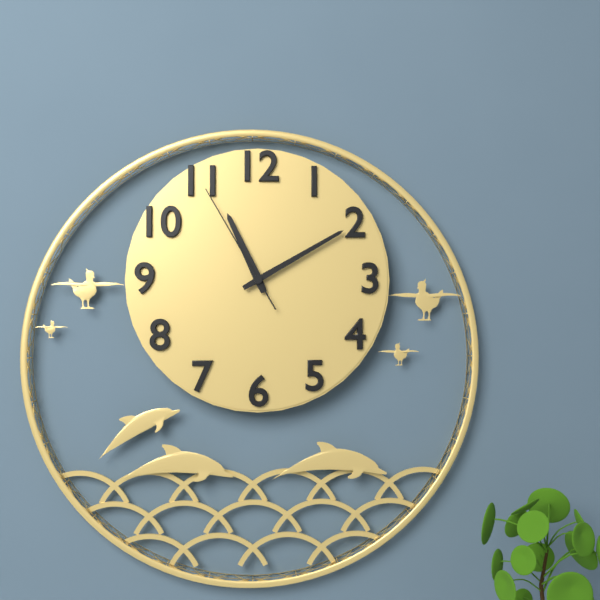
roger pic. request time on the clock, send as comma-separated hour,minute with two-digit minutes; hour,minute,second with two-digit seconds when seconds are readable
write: 11,10,55
